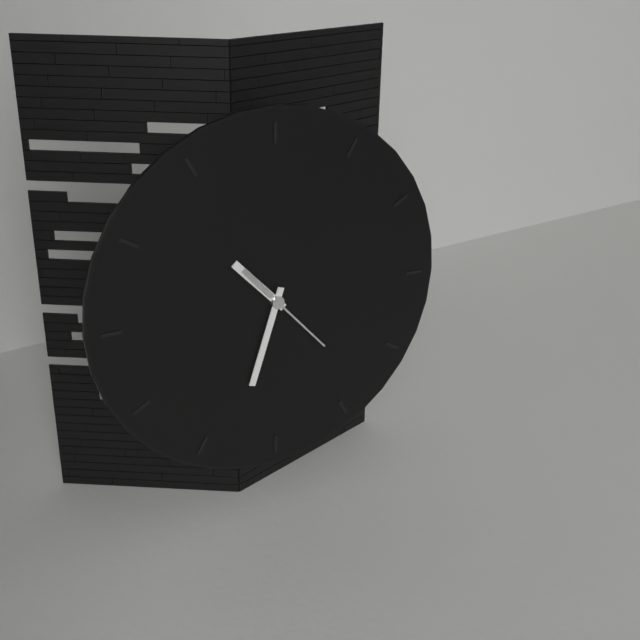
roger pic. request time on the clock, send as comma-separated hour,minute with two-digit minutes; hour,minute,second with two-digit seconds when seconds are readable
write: 10,33,23
